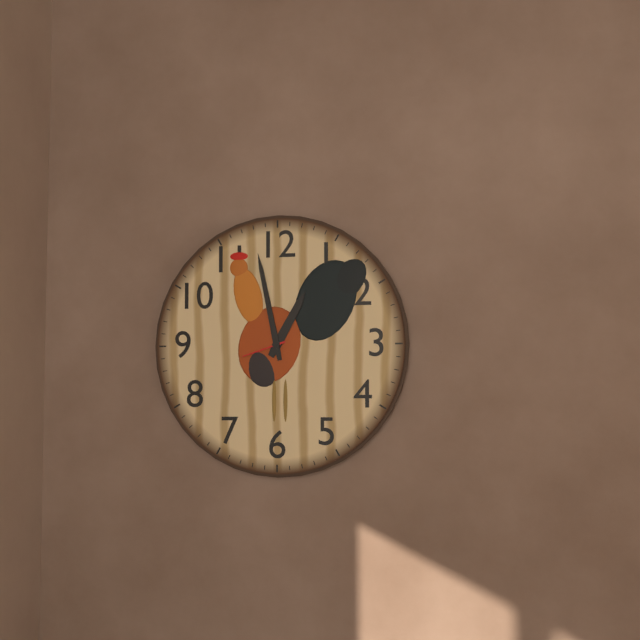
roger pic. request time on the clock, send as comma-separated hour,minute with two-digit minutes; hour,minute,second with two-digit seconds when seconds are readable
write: 12,58,42
